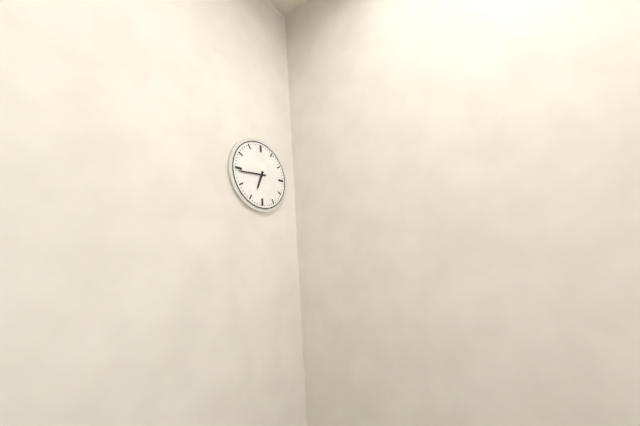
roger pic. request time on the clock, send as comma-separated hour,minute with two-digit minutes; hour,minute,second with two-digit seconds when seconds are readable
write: 6,44
